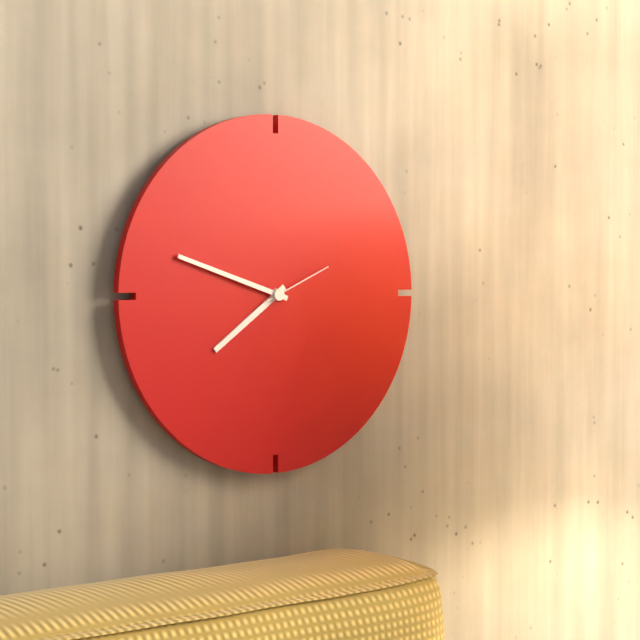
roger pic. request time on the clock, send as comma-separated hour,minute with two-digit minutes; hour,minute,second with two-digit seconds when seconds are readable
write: 7,48,11
